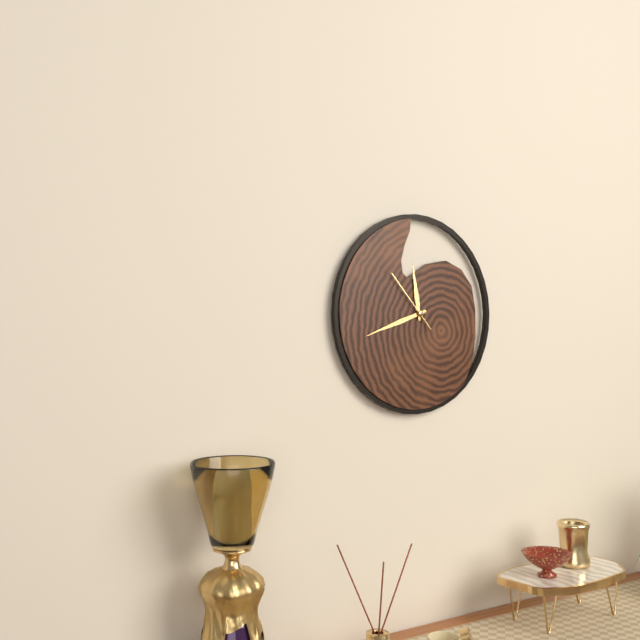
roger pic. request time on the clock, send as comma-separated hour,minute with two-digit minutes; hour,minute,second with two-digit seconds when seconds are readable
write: 11,42,53
